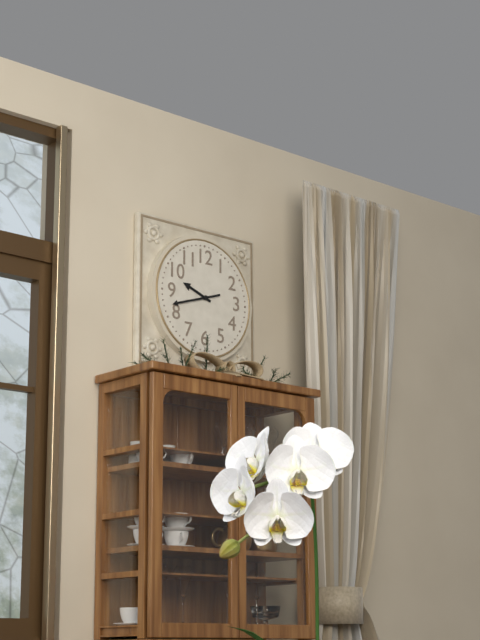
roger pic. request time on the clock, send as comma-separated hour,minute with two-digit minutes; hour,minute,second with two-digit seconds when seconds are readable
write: 9,42
